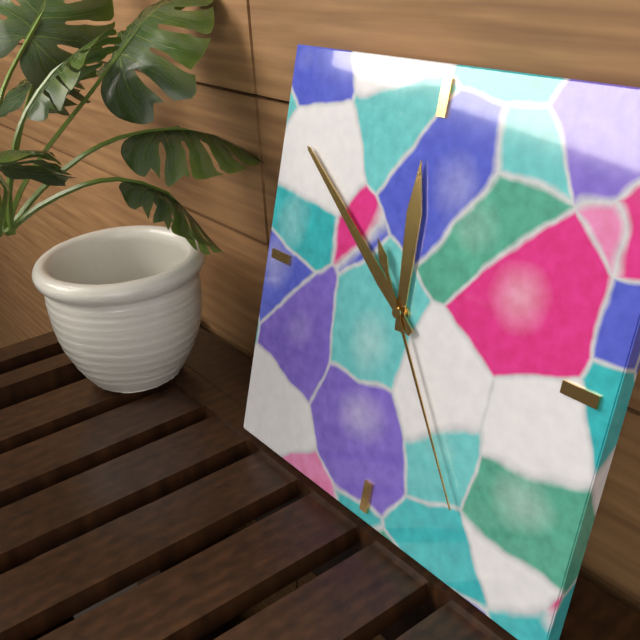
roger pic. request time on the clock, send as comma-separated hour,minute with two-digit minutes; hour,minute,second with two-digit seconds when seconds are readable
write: 11,51,24
